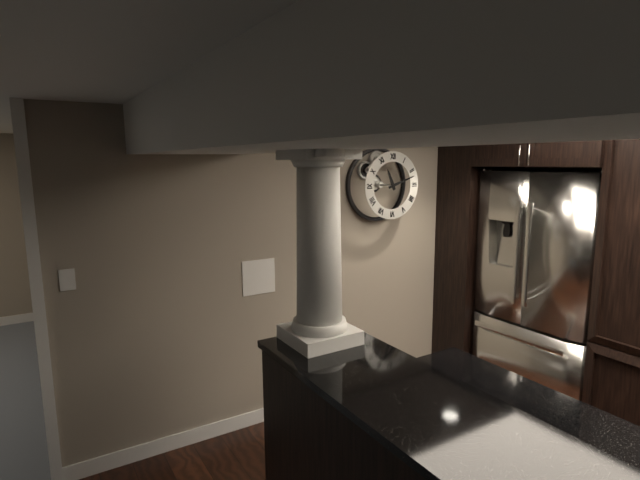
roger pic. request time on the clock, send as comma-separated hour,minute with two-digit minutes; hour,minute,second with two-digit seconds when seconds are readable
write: 11,12
